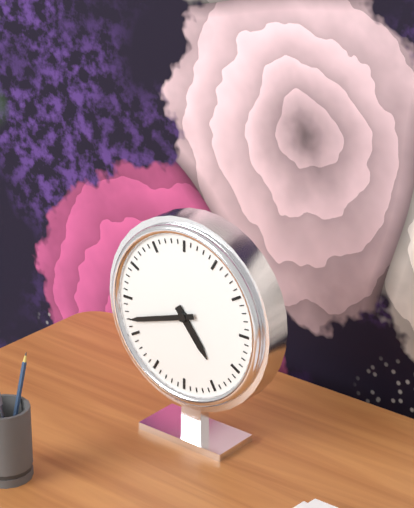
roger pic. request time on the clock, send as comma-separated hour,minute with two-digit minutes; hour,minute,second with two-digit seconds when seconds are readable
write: 4,42
